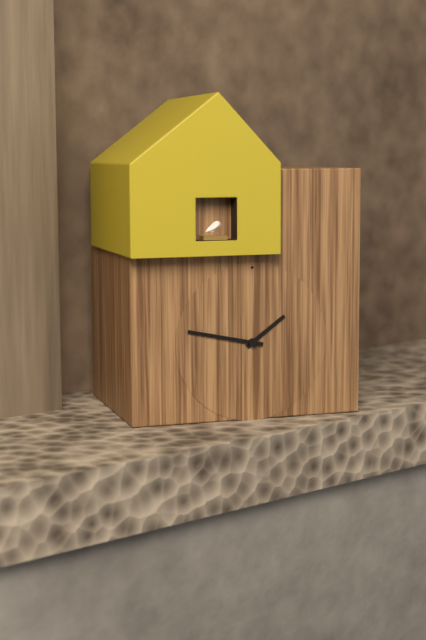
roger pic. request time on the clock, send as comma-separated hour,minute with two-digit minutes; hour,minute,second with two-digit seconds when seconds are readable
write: 1,47
